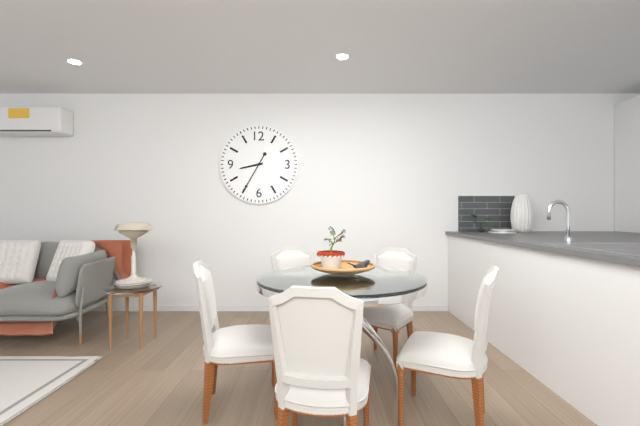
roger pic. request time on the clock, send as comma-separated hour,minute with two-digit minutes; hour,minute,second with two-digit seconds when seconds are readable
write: 8,35
